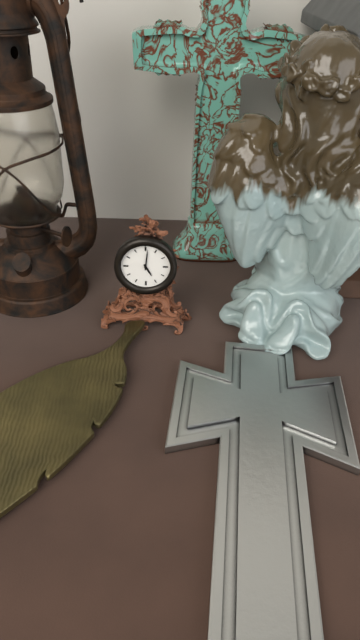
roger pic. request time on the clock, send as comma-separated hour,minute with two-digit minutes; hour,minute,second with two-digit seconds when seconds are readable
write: 5,01
